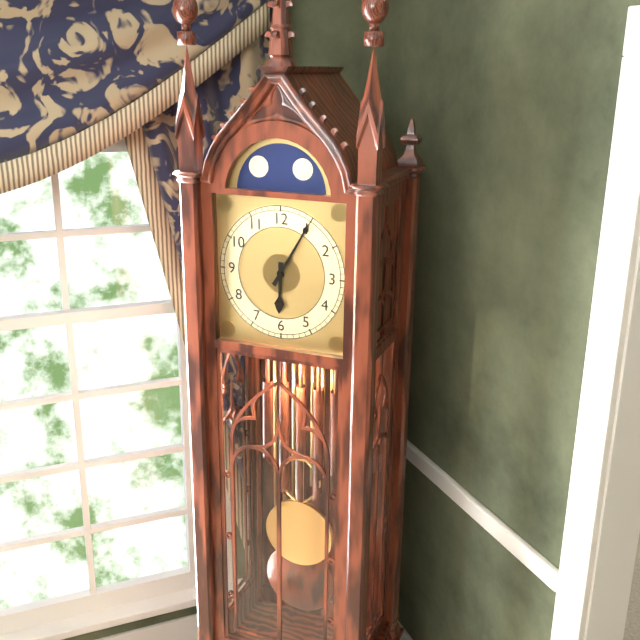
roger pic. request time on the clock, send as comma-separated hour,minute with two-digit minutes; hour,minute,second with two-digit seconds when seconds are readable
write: 6,05
